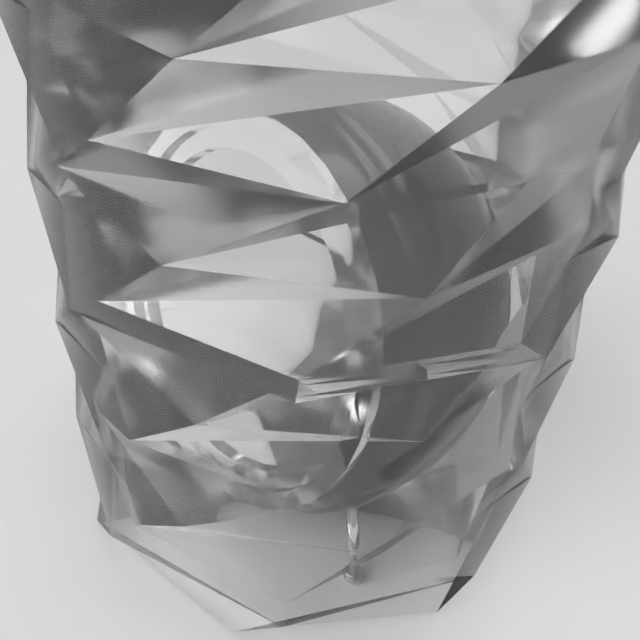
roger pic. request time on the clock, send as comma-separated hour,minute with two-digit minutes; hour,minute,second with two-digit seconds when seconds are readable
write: 9,48,50
